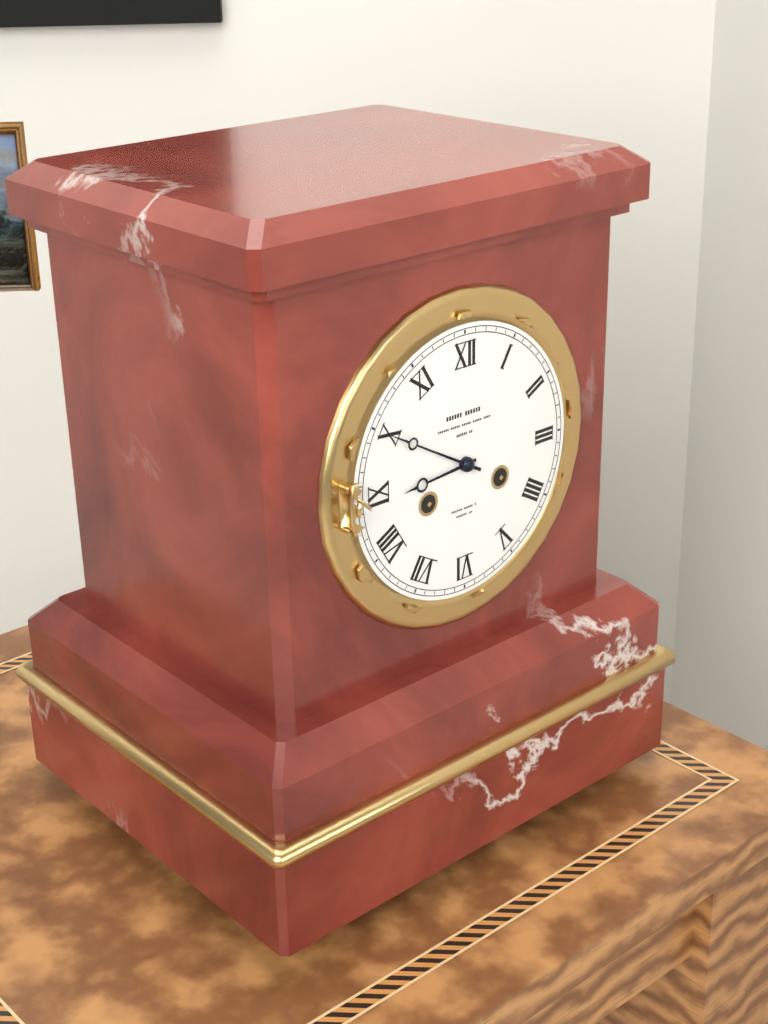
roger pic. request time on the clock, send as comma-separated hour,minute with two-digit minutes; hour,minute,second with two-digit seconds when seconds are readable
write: 8,50
